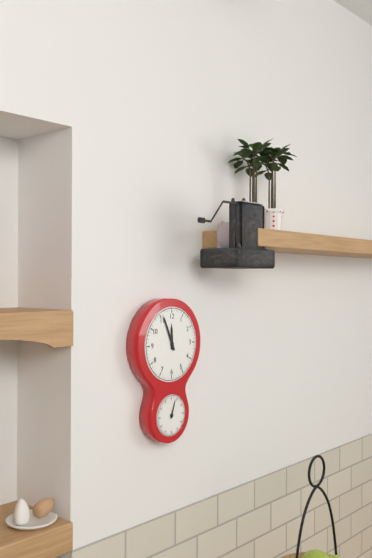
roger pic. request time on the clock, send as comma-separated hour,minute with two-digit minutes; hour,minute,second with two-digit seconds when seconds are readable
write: 11,56
